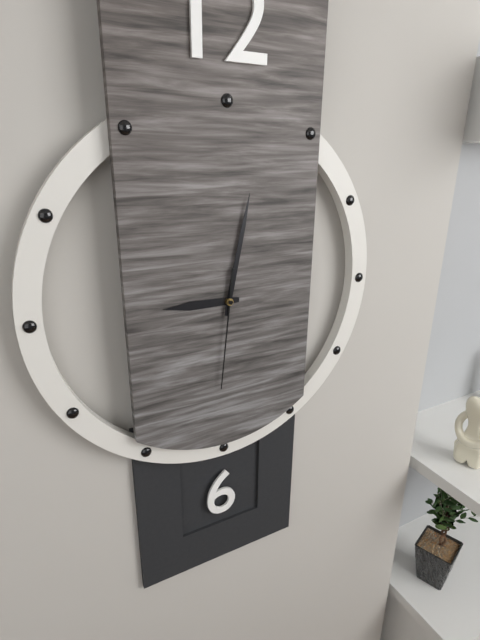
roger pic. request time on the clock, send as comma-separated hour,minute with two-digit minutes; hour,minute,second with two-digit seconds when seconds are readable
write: 9,02,31
